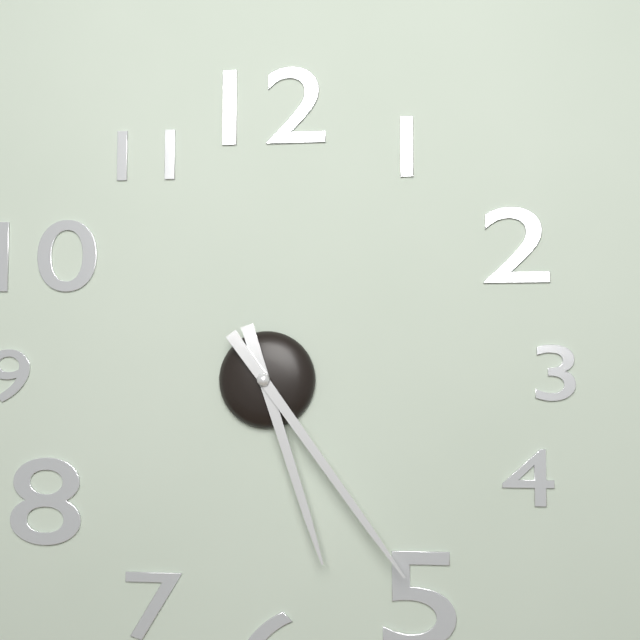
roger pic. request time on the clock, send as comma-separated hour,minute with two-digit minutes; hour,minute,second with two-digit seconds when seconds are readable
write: 5,24
